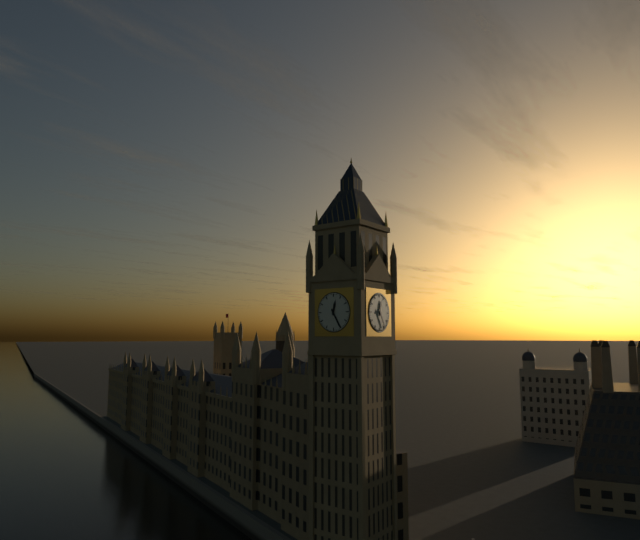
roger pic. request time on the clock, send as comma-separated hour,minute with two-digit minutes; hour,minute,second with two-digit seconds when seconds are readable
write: 12,25
